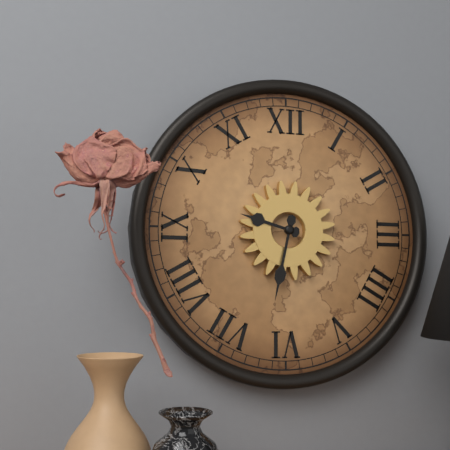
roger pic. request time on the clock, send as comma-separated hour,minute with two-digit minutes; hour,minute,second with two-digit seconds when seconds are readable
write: 9,32
